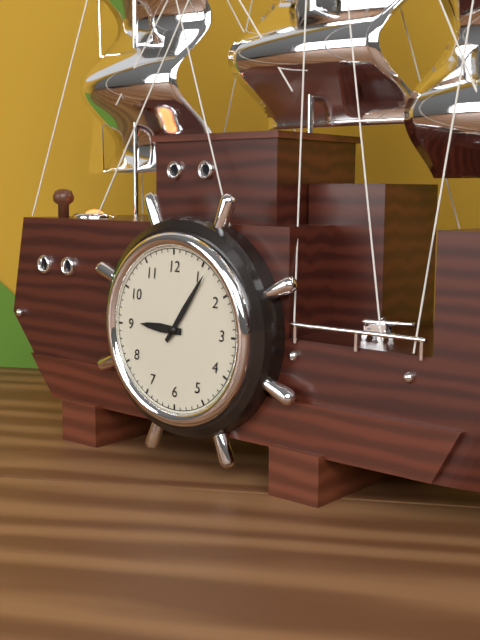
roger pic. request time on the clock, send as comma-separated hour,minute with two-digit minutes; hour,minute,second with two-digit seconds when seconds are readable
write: 9,06
